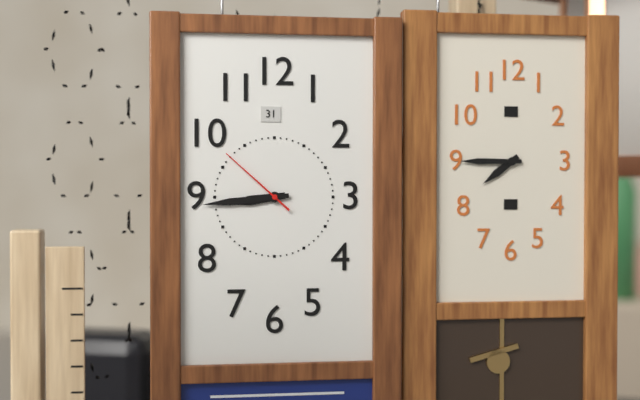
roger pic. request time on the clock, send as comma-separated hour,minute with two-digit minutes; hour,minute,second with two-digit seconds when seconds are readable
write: 8,44,52
